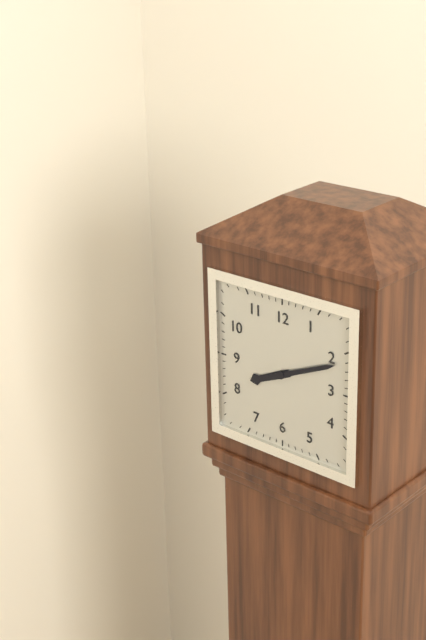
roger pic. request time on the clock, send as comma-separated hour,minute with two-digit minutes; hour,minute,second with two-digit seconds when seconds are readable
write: 8,11
